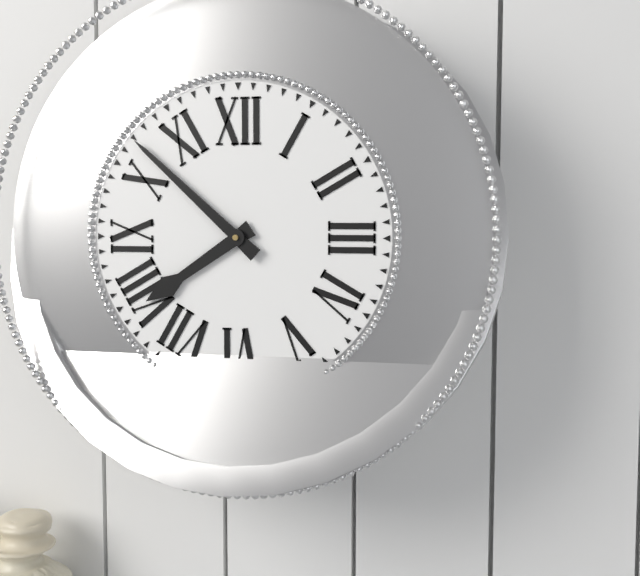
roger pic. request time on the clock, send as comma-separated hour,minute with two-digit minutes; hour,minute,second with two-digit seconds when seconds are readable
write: 7,52
